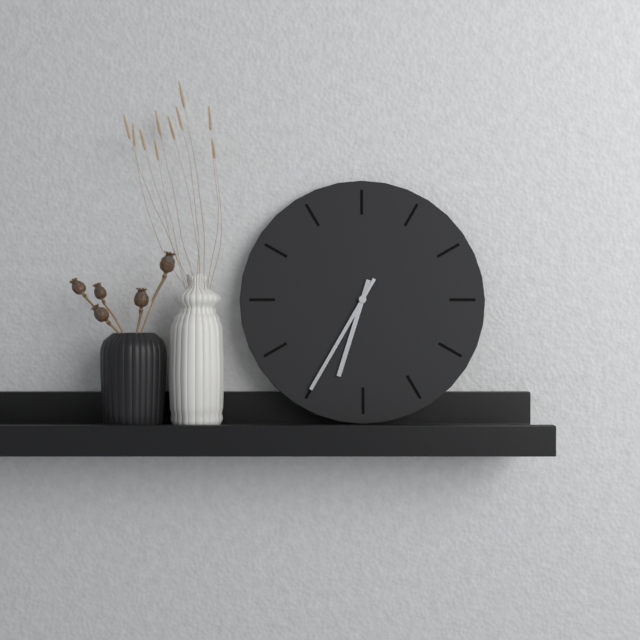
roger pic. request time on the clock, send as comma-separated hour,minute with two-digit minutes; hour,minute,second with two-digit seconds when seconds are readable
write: 6,35
